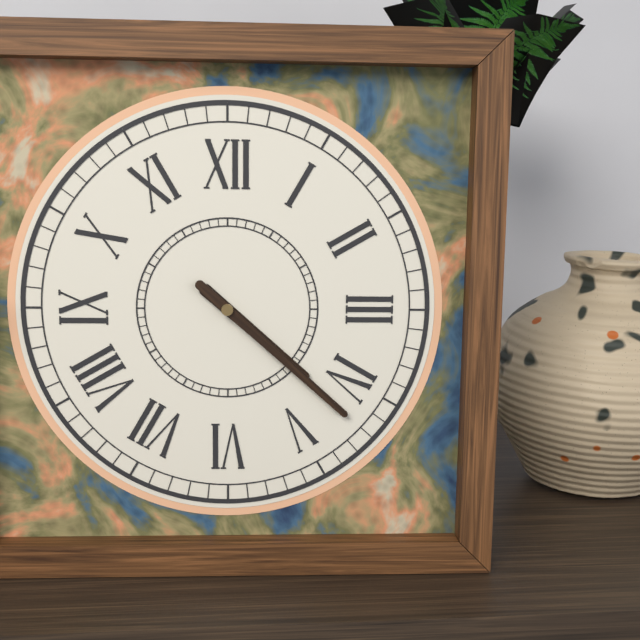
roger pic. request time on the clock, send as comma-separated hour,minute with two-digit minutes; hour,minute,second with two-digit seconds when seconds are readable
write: 4,22
